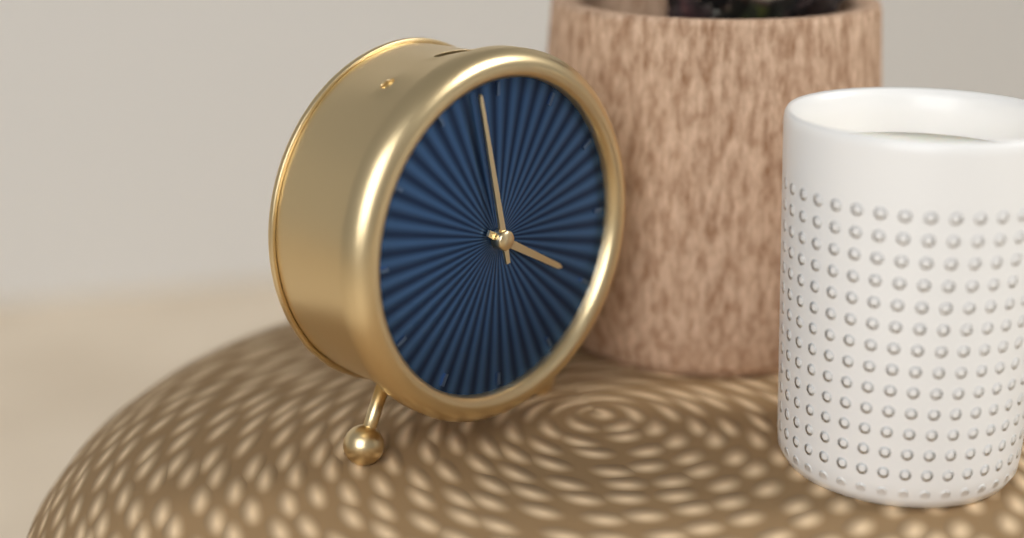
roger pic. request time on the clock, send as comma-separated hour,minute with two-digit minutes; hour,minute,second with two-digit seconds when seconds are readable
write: 3,58
